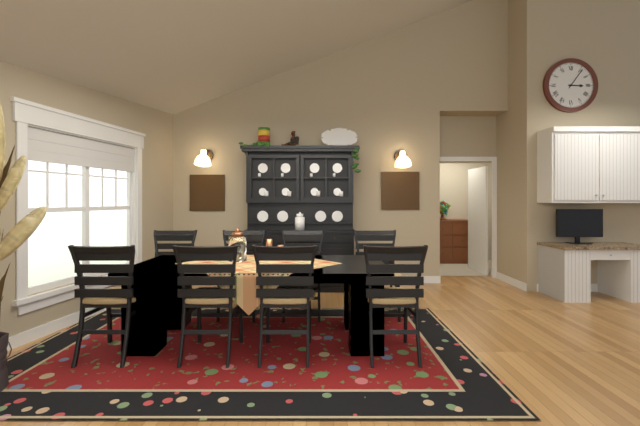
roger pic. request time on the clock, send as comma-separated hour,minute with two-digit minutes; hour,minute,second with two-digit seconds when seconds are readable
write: 3,06
